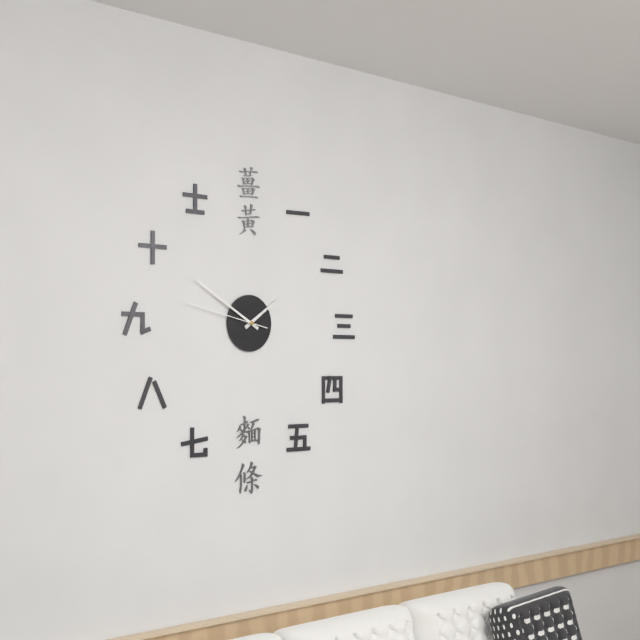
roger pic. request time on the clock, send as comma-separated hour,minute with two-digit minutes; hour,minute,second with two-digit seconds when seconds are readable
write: 1,50,47
